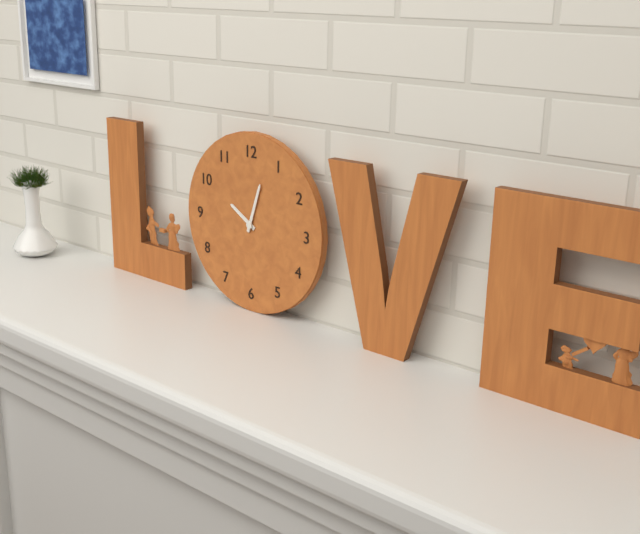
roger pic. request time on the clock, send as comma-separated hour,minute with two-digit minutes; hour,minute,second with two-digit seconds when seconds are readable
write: 10,03
